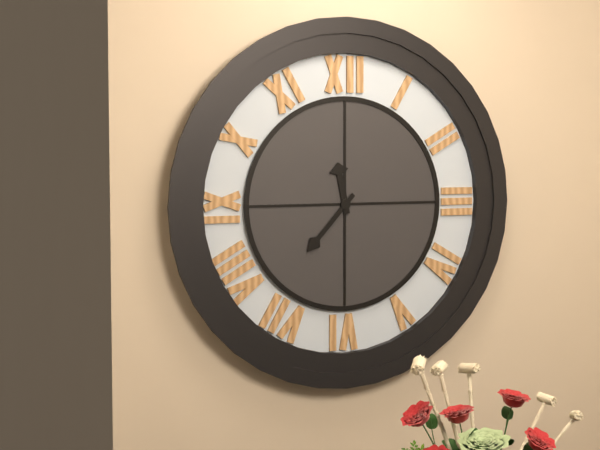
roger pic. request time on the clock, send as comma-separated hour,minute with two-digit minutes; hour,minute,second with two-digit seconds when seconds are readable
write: 11,37
